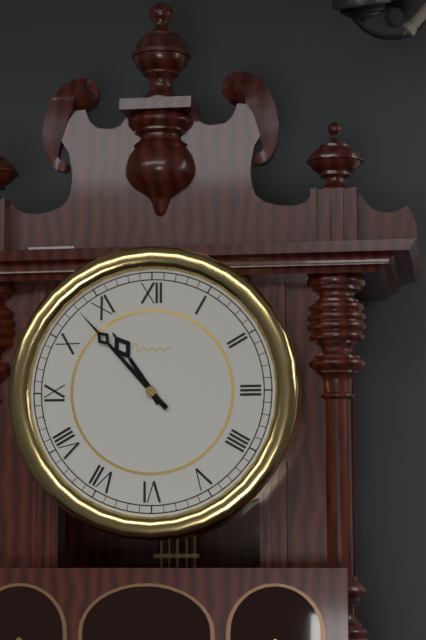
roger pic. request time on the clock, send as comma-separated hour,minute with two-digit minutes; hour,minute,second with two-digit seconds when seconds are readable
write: 10,53
